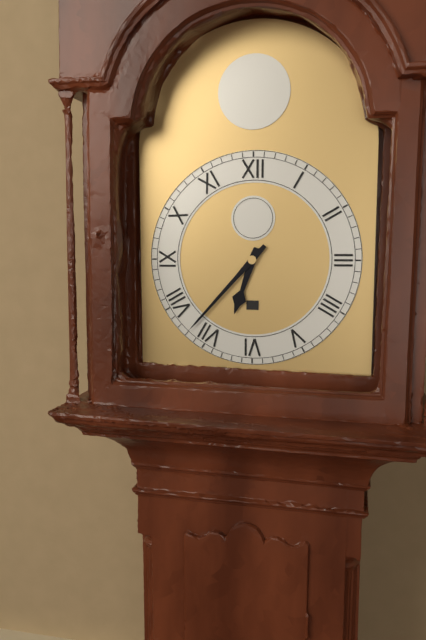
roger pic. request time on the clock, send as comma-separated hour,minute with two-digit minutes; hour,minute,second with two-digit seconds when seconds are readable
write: 6,37
